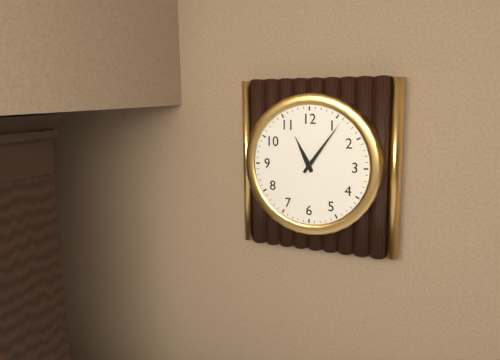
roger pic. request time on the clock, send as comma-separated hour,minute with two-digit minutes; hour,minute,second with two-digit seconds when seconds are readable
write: 11,06
